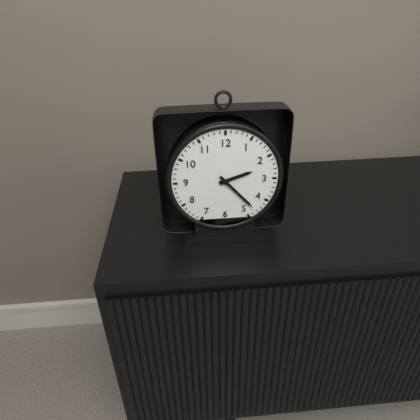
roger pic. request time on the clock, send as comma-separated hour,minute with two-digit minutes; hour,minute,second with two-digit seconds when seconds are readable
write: 2,23
